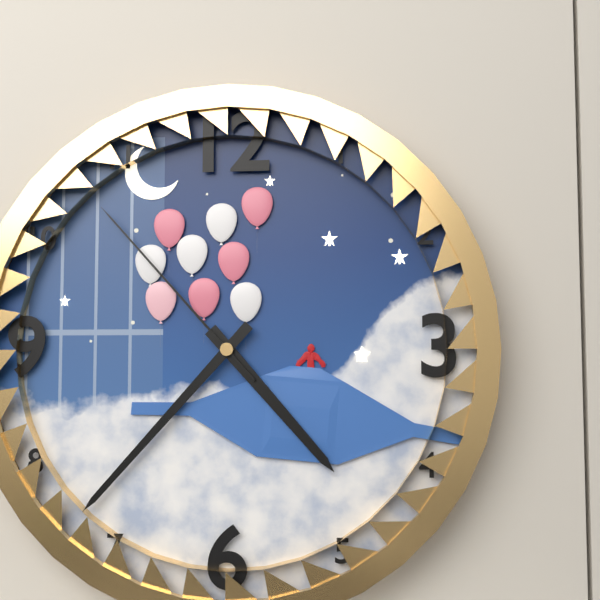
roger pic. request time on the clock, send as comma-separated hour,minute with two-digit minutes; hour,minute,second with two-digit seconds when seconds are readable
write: 4,37,53
